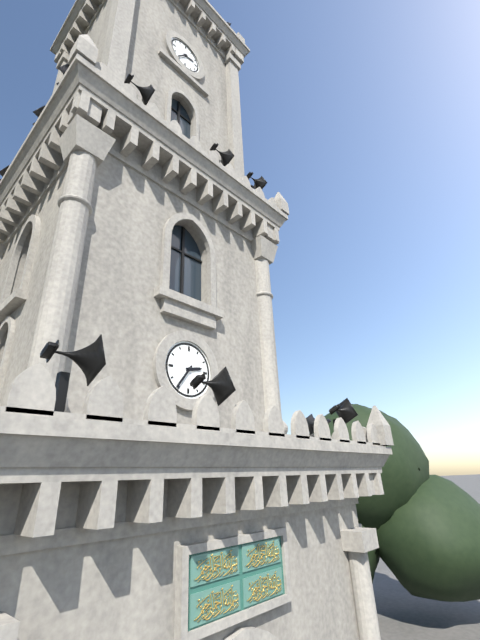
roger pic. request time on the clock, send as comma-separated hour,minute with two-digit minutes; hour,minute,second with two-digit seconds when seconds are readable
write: 2,36
